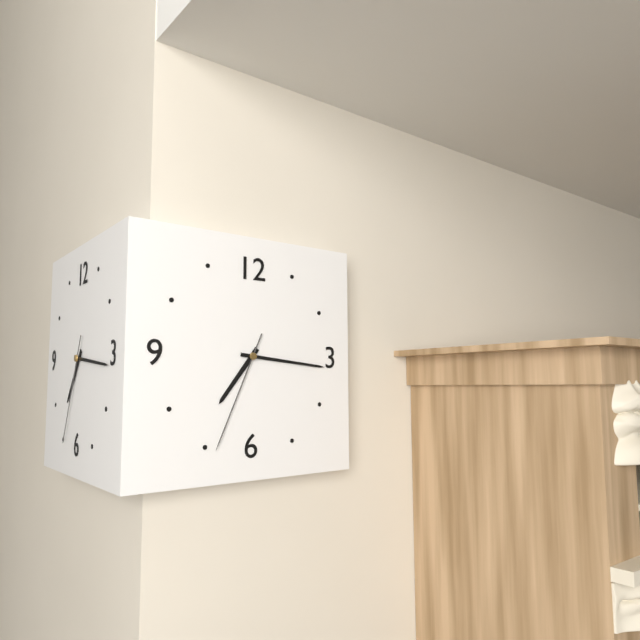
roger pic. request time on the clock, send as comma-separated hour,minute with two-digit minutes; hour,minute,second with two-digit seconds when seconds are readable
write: 7,16,34
